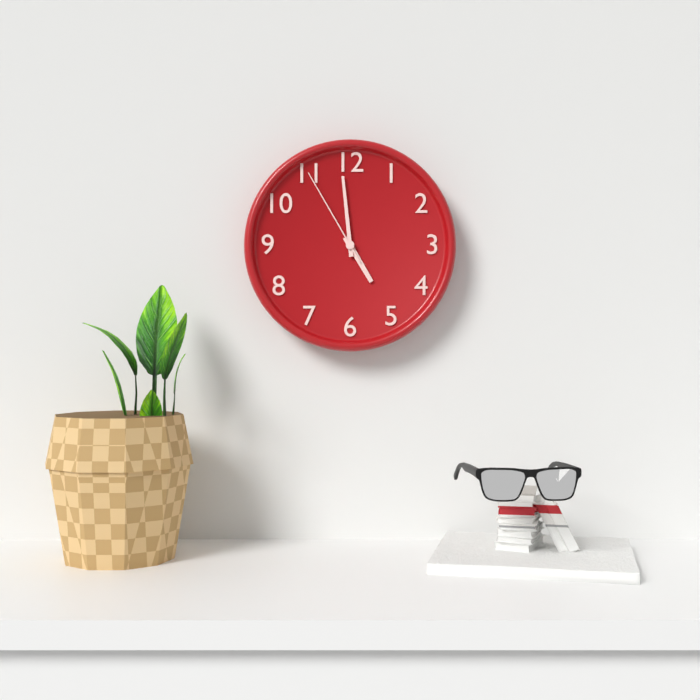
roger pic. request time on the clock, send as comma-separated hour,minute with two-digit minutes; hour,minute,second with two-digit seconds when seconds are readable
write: 4,59,55
